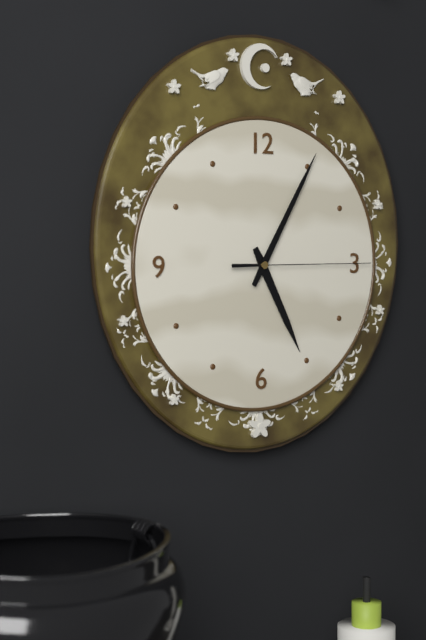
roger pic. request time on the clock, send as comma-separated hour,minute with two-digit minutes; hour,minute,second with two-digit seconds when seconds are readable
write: 5,05,15
